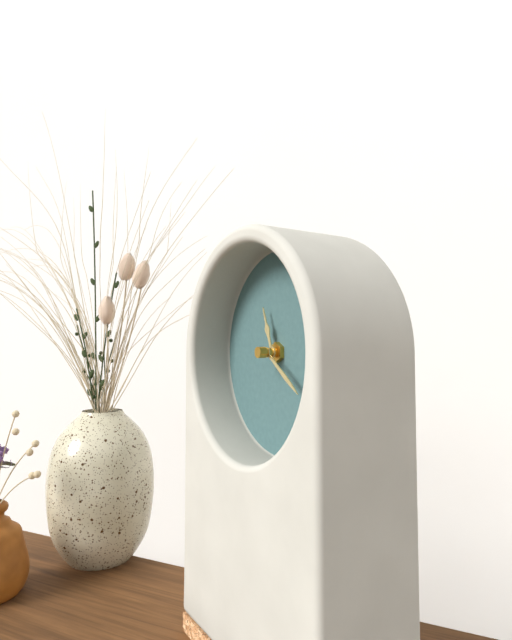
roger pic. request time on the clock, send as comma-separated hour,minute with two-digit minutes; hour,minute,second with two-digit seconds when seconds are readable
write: 11,21
